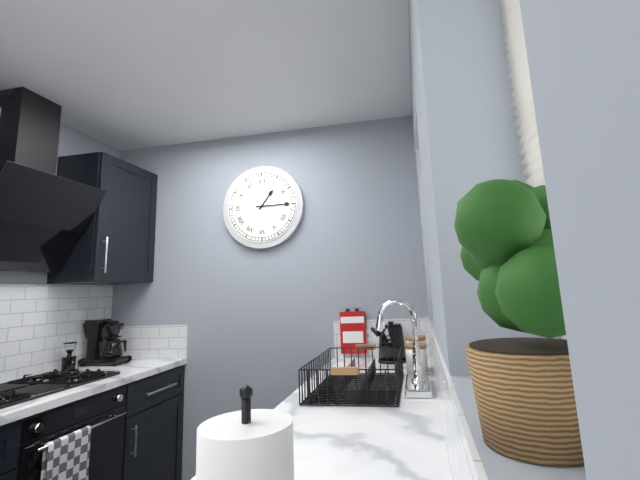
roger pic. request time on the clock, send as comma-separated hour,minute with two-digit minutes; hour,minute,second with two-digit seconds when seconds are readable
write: 1,15
